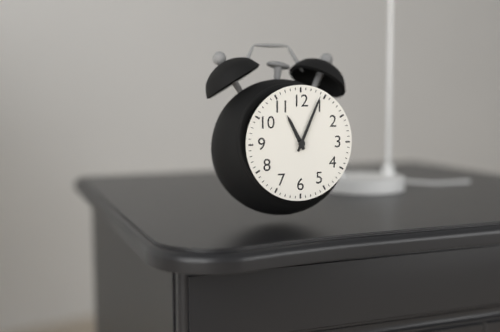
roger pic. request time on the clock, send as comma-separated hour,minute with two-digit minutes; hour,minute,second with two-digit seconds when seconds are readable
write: 11,04
